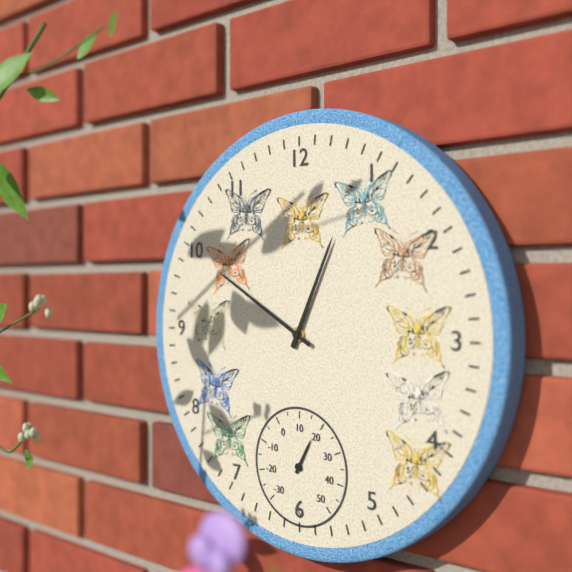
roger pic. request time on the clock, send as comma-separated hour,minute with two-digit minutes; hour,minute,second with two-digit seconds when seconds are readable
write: 12,50
